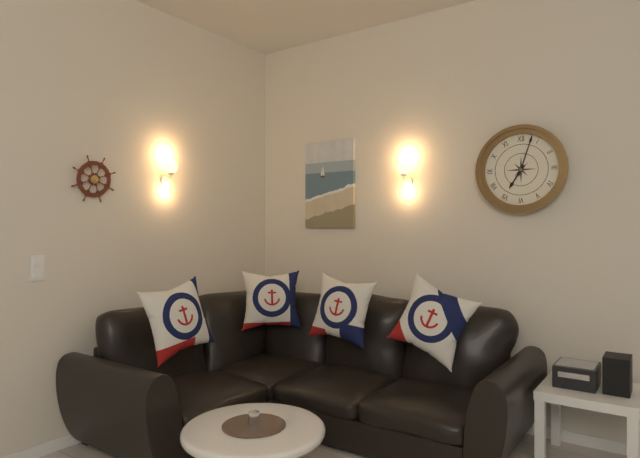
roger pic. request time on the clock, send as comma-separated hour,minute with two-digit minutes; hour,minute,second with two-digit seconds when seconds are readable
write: 7,03
